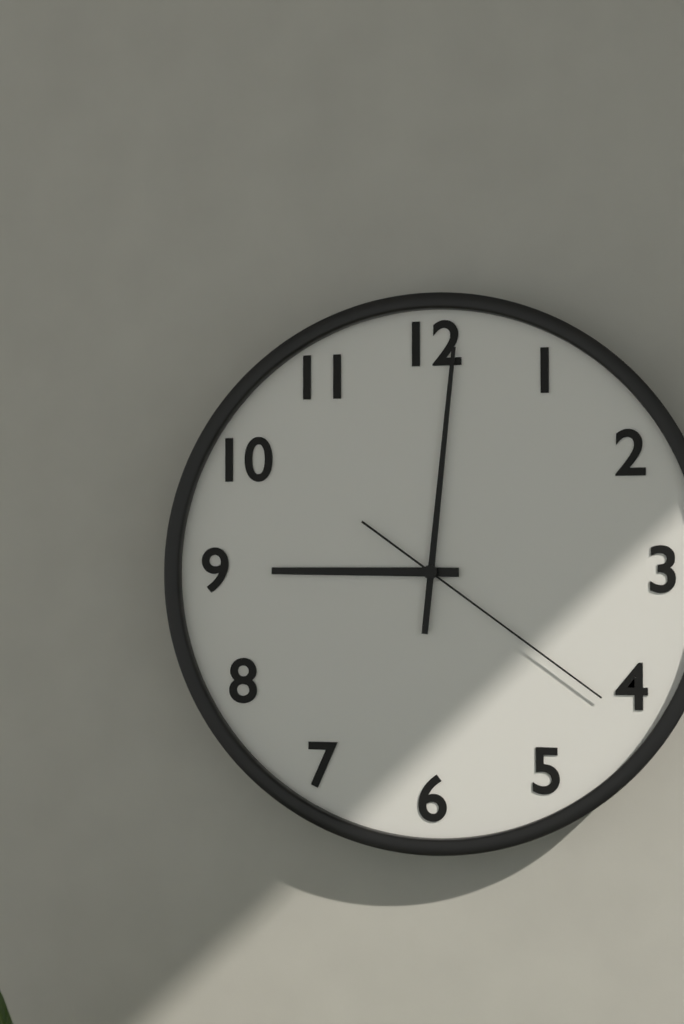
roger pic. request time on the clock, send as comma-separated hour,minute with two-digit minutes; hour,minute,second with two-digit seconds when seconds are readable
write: 9,01,21
